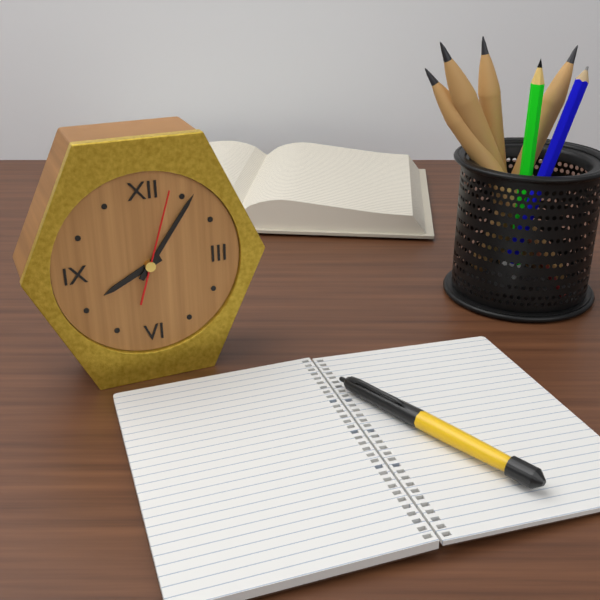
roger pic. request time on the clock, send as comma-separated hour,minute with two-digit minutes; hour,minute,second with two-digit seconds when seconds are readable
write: 8,06,03
